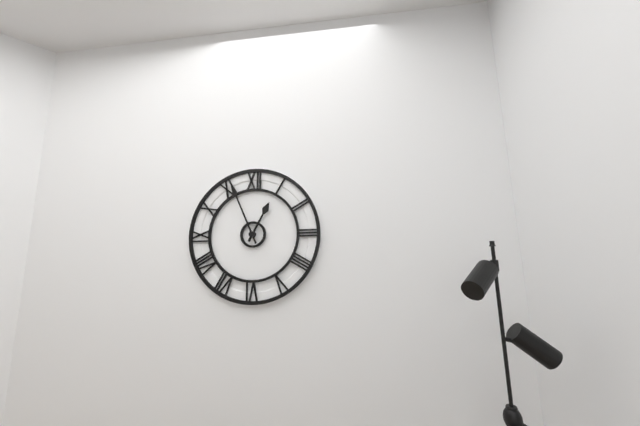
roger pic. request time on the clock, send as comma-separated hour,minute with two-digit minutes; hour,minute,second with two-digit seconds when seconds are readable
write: 12,56
